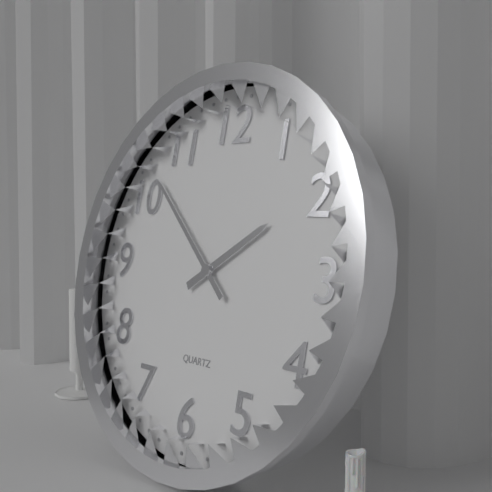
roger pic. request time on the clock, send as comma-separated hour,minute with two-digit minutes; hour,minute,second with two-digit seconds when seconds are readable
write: 1,52
